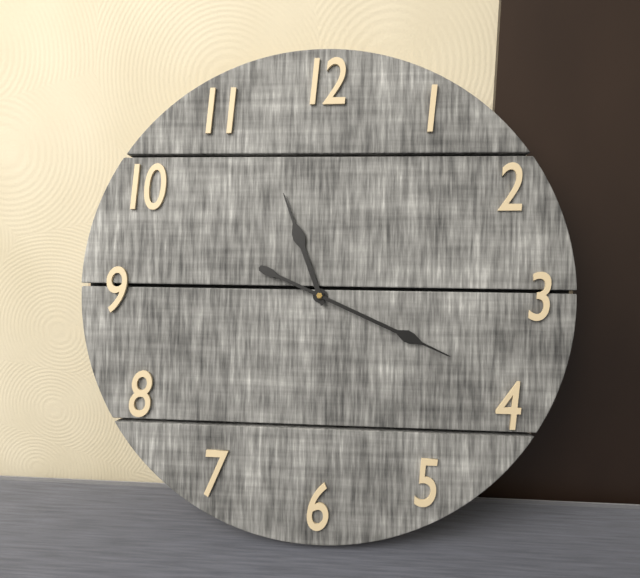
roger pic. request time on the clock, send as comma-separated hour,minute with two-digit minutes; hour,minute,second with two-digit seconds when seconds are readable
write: 11,19
